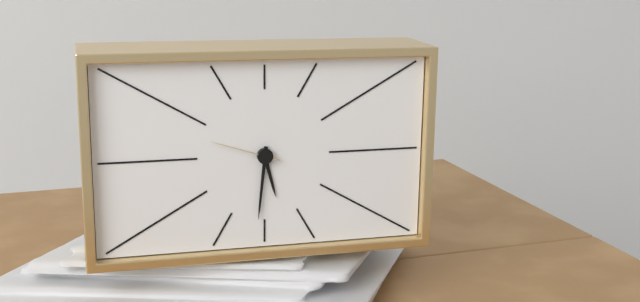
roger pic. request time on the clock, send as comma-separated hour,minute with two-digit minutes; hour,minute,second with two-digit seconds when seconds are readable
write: 5,31,48
